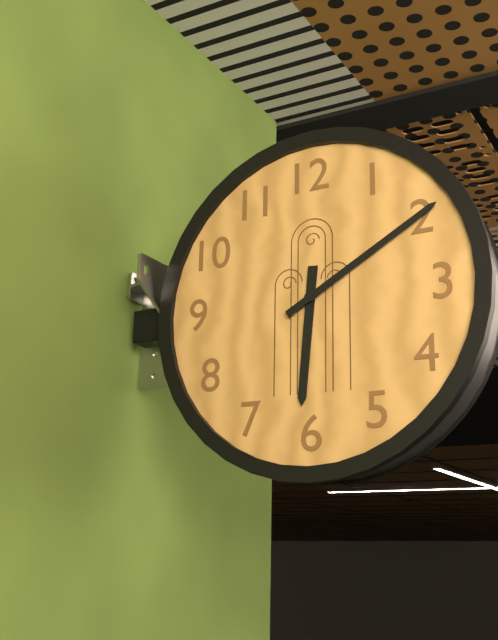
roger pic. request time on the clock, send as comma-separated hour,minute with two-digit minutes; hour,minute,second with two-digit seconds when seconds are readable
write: 6,10
